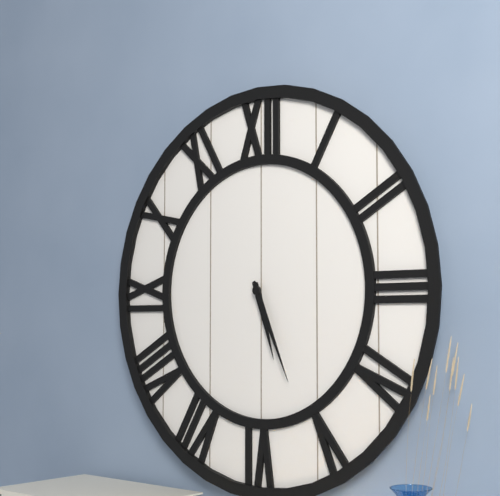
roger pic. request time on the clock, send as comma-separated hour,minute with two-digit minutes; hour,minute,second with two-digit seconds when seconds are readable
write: 5,26
